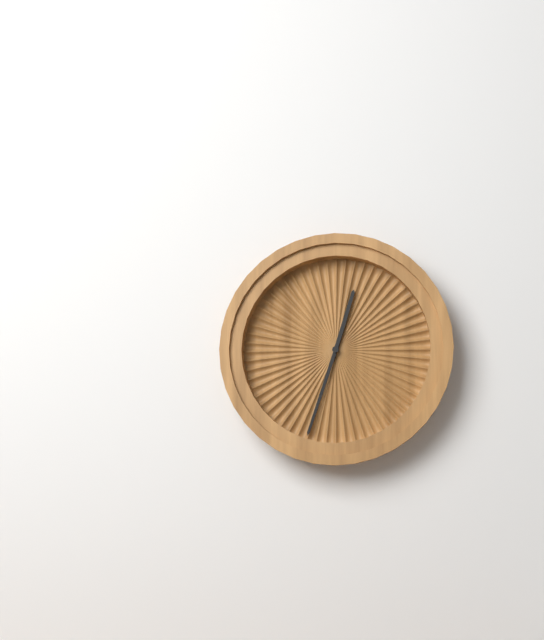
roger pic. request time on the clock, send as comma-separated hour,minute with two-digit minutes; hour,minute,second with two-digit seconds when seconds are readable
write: 12,33
